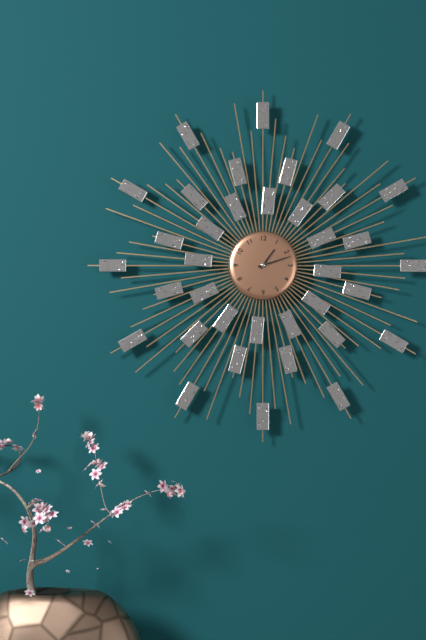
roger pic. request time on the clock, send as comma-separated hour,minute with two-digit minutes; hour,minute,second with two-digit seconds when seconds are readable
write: 1,12
